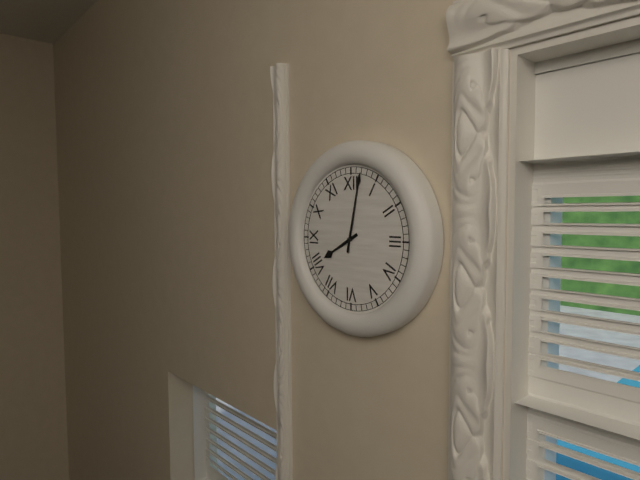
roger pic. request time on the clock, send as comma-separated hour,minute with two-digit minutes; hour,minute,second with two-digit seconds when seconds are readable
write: 8,02
